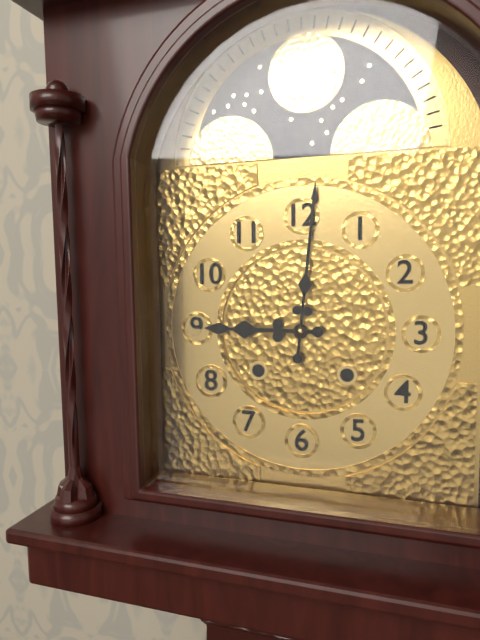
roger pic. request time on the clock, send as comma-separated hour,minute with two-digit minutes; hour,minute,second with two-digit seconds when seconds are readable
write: 9,01
